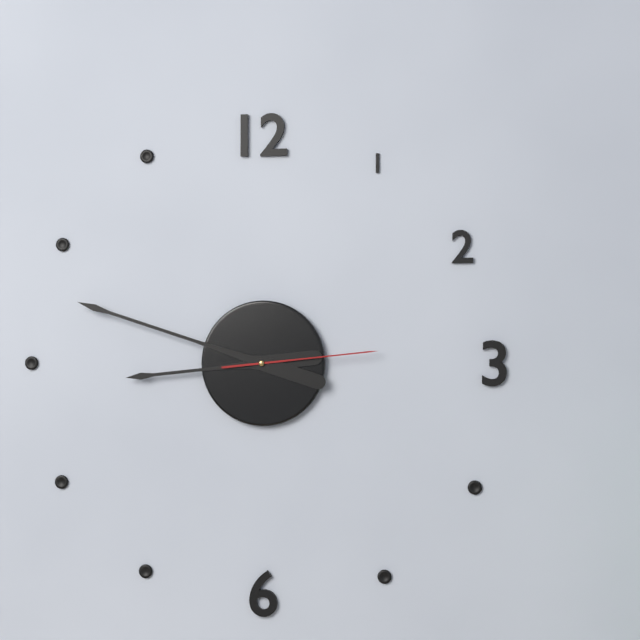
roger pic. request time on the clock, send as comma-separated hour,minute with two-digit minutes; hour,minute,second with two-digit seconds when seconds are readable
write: 8,48,14
